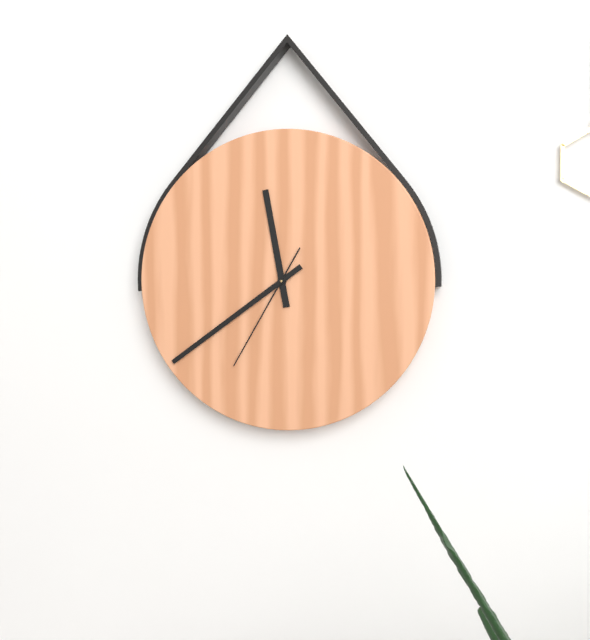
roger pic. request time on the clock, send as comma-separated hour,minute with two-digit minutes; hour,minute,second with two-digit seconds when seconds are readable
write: 11,39,35
